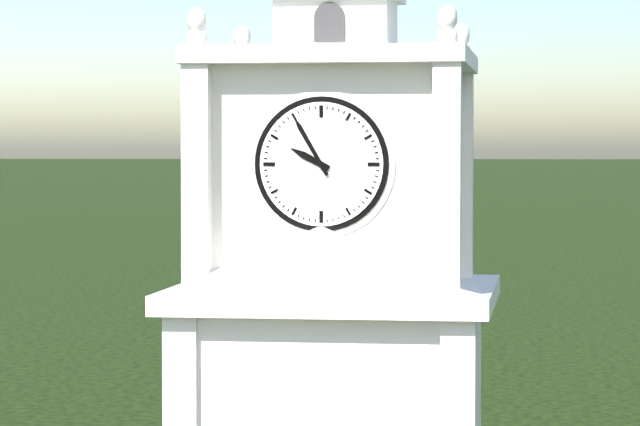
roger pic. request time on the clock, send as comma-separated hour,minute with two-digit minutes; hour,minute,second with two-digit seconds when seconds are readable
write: 9,55
